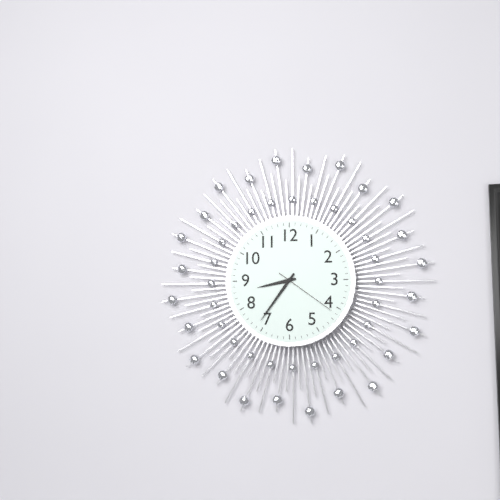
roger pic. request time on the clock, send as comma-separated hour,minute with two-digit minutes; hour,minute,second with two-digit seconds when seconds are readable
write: 8,36,21
